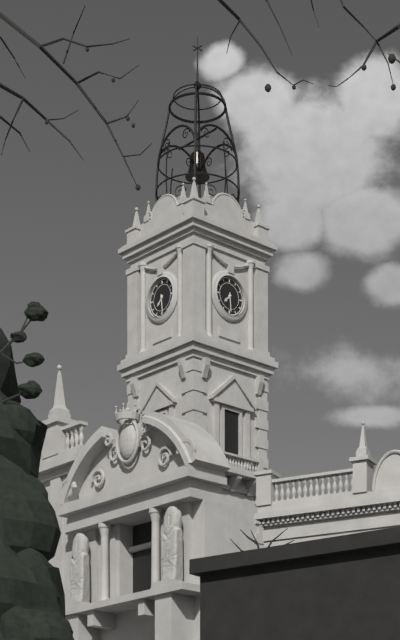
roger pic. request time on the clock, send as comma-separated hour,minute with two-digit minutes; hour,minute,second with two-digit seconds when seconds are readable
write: 7,29
